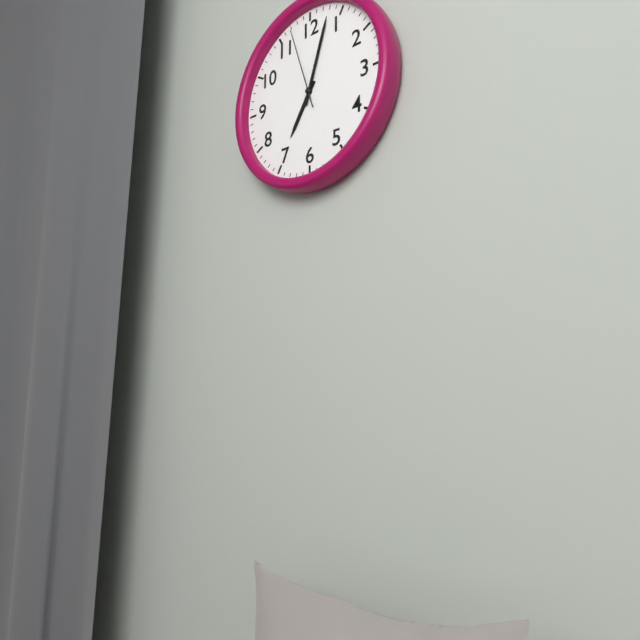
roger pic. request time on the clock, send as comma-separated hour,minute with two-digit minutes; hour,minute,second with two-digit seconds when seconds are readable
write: 7,03,57
